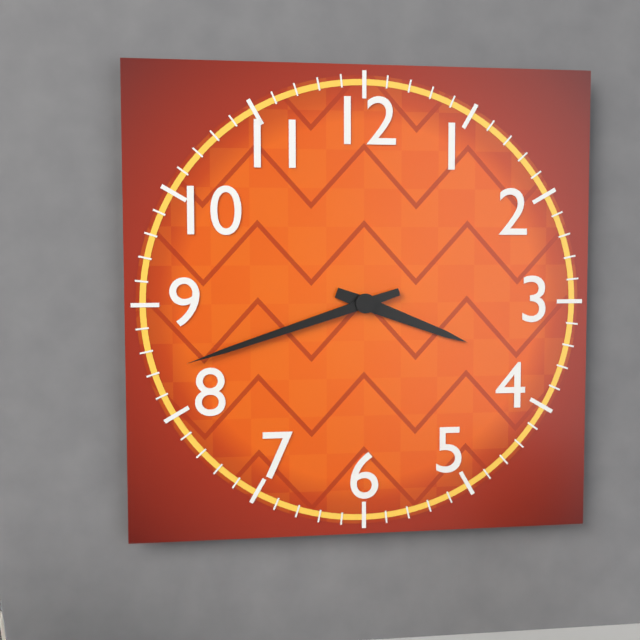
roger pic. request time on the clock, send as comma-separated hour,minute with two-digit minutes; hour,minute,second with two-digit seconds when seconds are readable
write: 3,42
